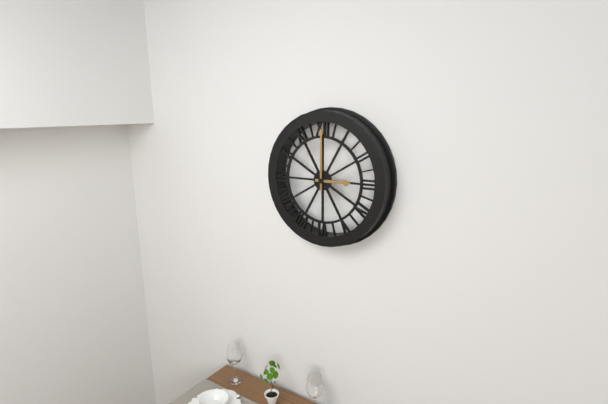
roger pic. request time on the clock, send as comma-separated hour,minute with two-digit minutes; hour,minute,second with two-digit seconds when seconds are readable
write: 3,00
